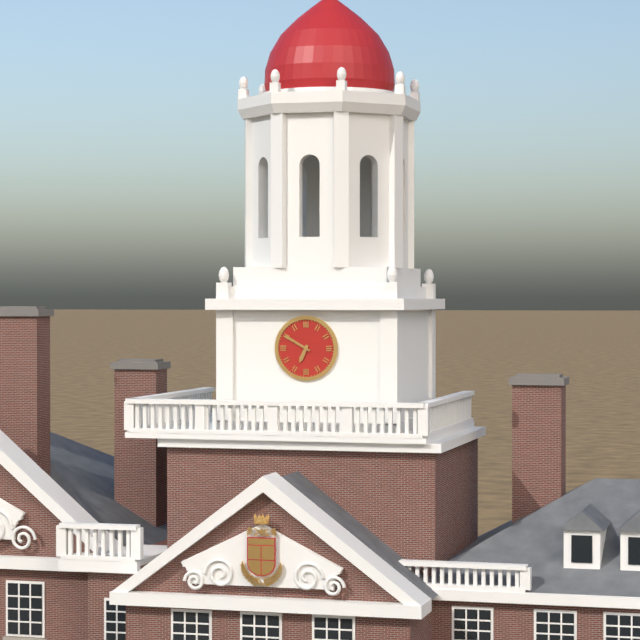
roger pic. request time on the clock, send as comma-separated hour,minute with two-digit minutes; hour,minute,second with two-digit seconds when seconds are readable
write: 6,50
